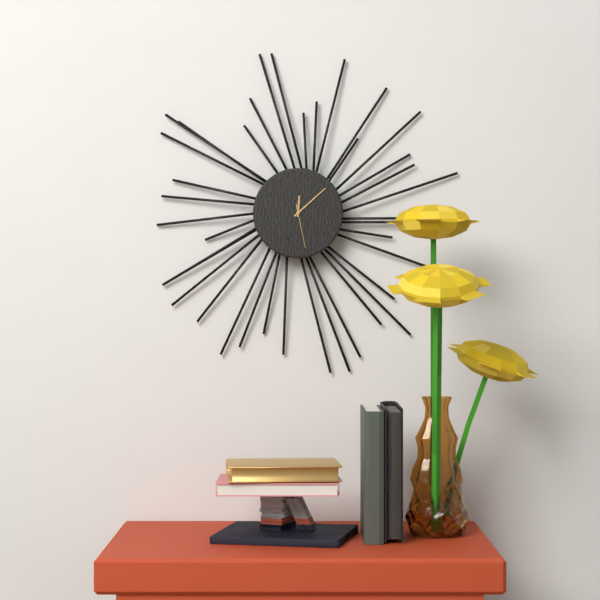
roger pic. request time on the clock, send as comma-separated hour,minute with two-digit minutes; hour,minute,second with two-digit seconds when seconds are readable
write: 12,08
